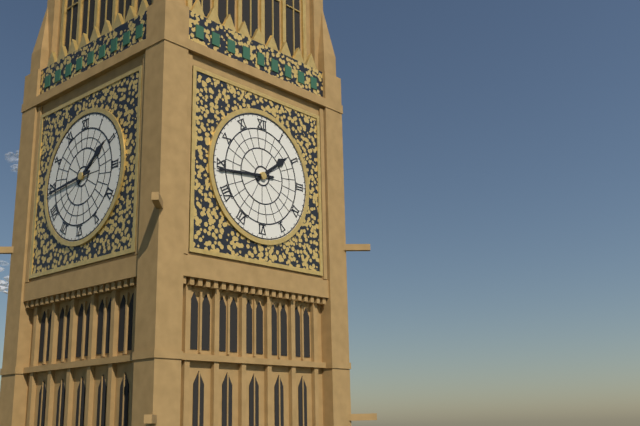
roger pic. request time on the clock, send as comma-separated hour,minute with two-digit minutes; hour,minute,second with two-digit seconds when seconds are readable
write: 1,44
